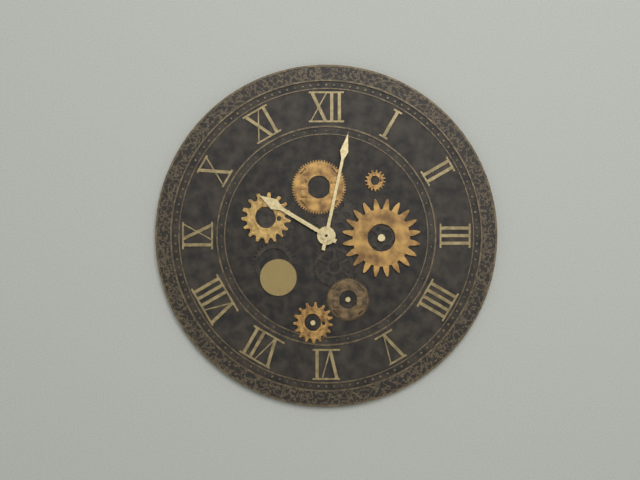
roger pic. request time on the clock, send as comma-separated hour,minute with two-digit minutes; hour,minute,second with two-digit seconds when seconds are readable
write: 10,02
